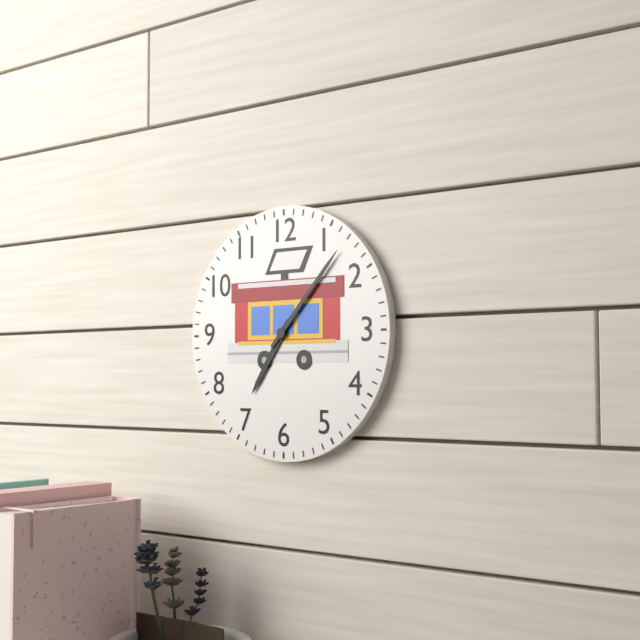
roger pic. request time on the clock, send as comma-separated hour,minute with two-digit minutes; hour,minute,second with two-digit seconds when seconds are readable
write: 7,07
